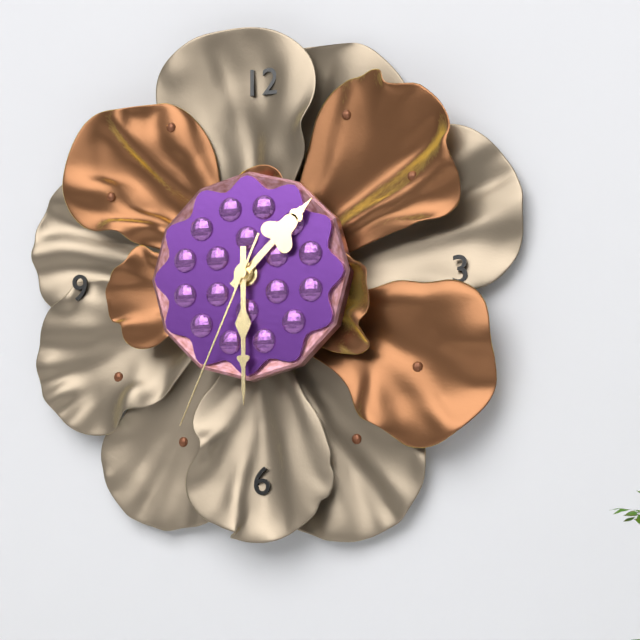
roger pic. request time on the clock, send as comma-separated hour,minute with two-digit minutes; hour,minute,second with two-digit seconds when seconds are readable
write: 1,30,34
